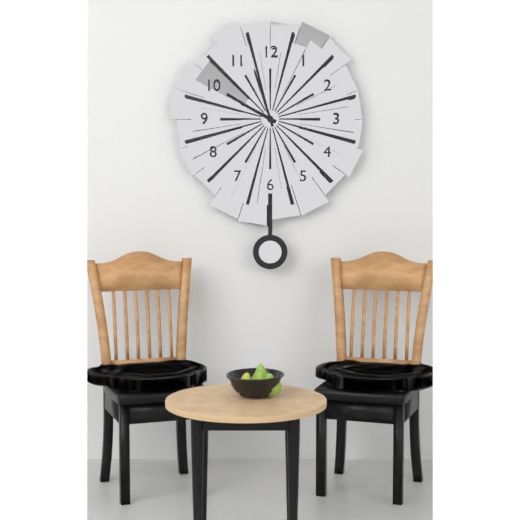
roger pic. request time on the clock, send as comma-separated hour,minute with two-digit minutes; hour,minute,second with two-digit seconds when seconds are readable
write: 9,57
